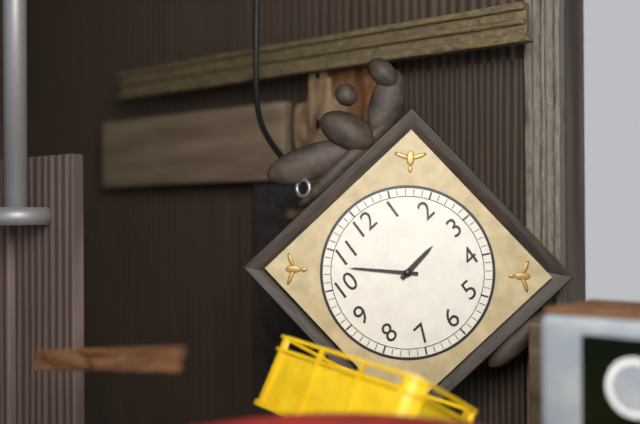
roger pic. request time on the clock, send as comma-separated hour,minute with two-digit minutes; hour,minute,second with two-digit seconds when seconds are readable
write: 2,53
